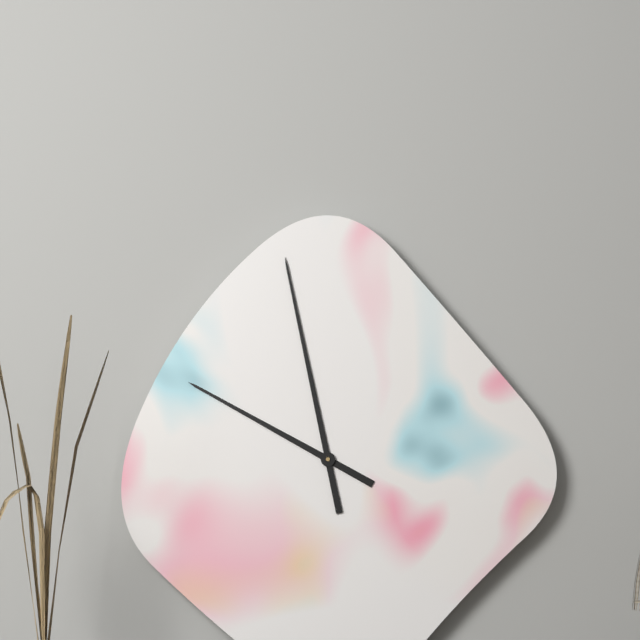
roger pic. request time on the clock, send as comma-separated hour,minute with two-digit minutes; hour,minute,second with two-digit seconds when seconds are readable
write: 9,58
